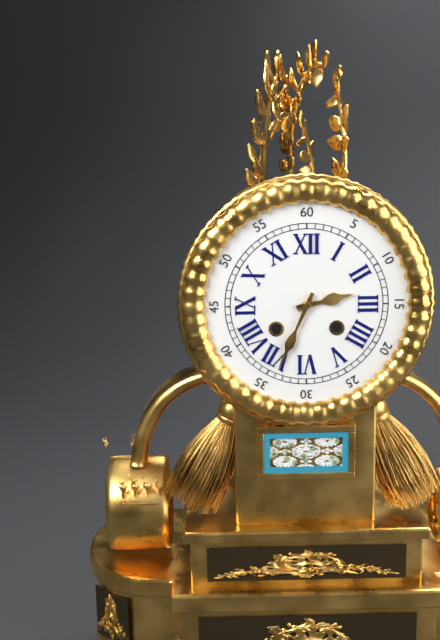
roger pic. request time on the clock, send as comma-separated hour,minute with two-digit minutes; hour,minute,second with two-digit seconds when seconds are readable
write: 2,34
